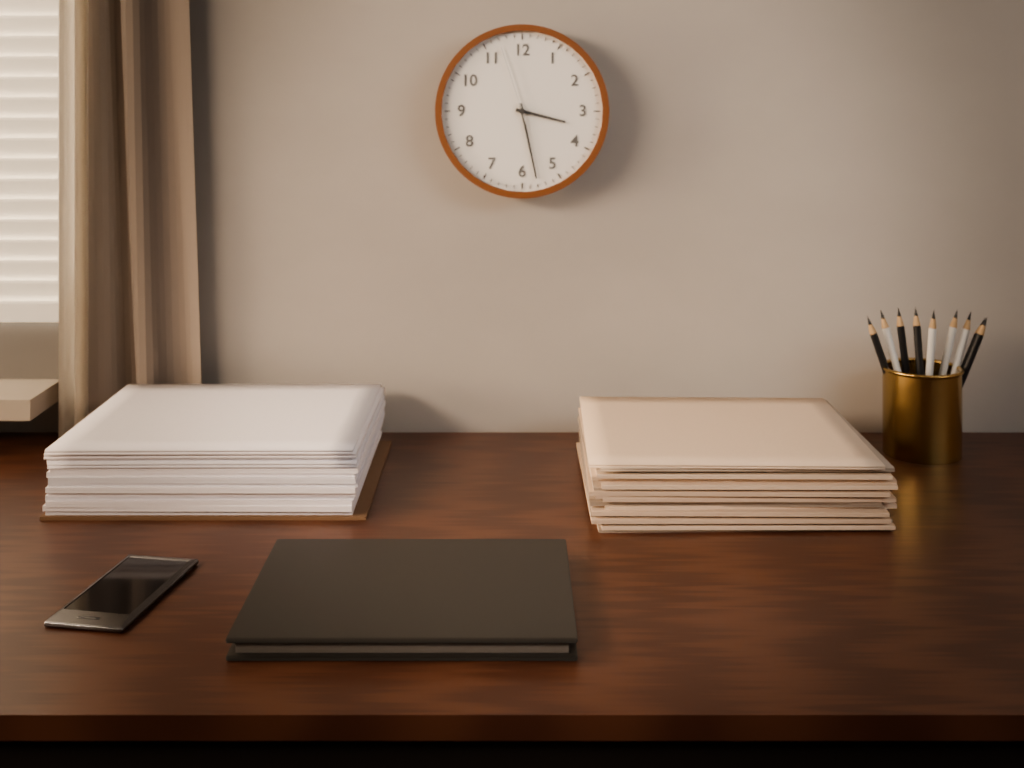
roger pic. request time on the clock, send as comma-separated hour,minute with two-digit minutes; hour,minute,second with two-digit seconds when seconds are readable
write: 3,28,57
